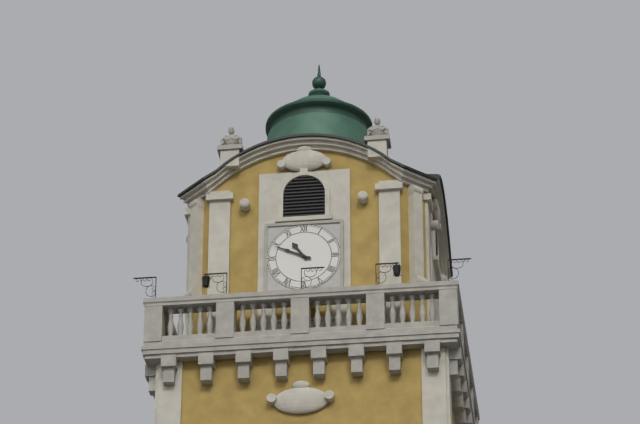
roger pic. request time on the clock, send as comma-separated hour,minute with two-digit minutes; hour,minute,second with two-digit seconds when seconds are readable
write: 10,49
